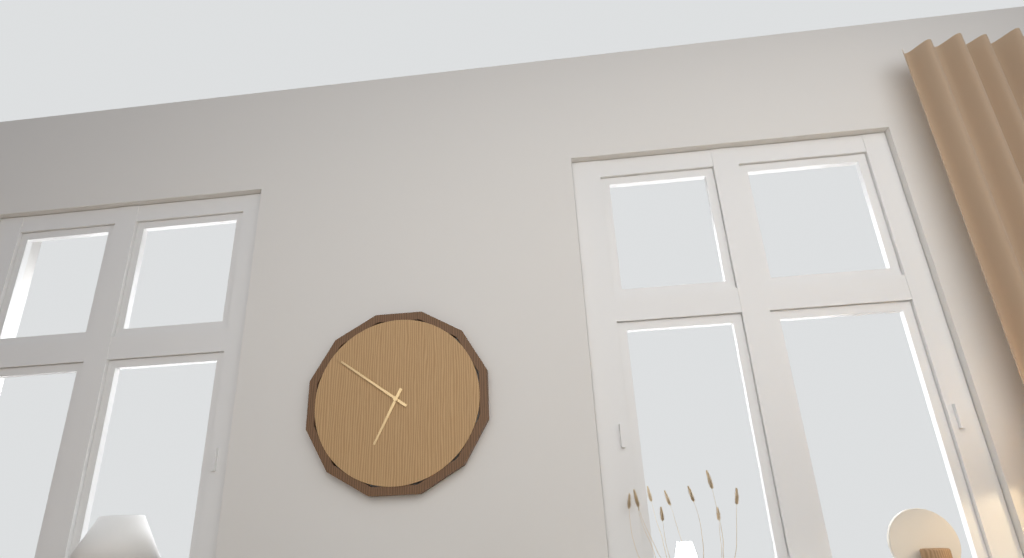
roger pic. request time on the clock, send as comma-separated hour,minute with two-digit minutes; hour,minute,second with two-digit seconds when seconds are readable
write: 6,51
